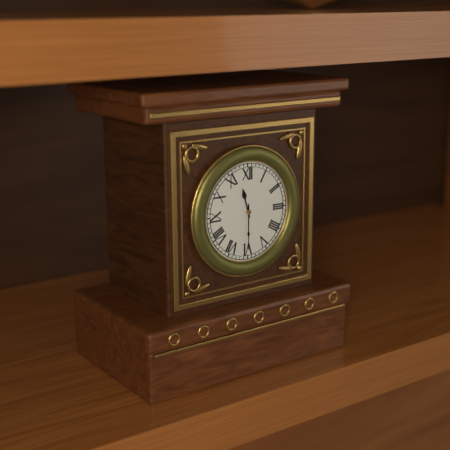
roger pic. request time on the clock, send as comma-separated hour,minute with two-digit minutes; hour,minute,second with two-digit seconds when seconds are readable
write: 11,30
